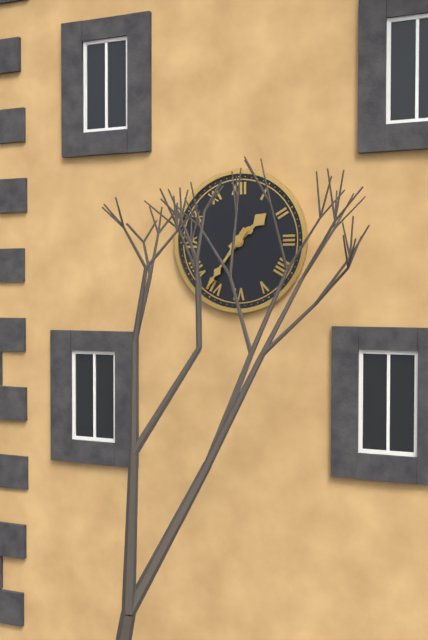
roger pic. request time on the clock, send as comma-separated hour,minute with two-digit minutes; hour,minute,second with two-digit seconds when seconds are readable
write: 1,36
